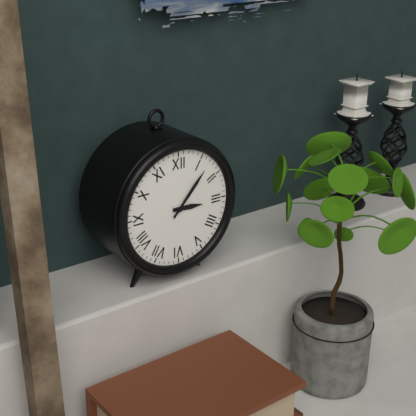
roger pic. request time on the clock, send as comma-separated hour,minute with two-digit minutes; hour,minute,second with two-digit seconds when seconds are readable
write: 3,07
